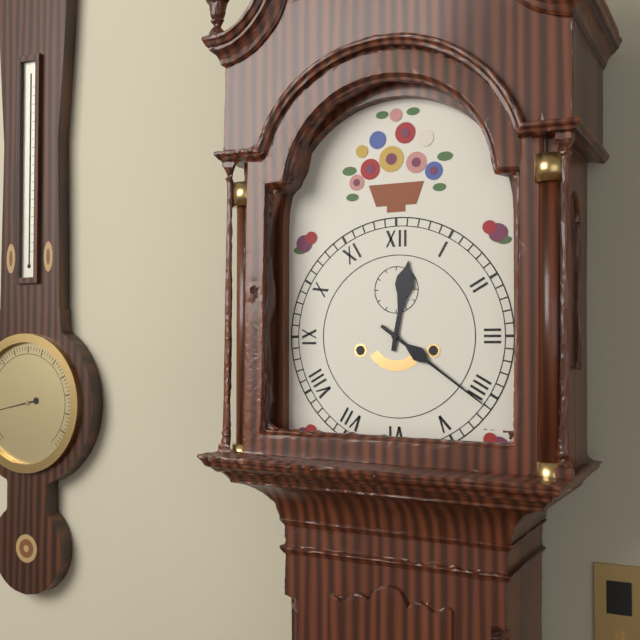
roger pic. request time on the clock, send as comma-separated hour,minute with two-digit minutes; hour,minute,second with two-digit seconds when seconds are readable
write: 12,21
